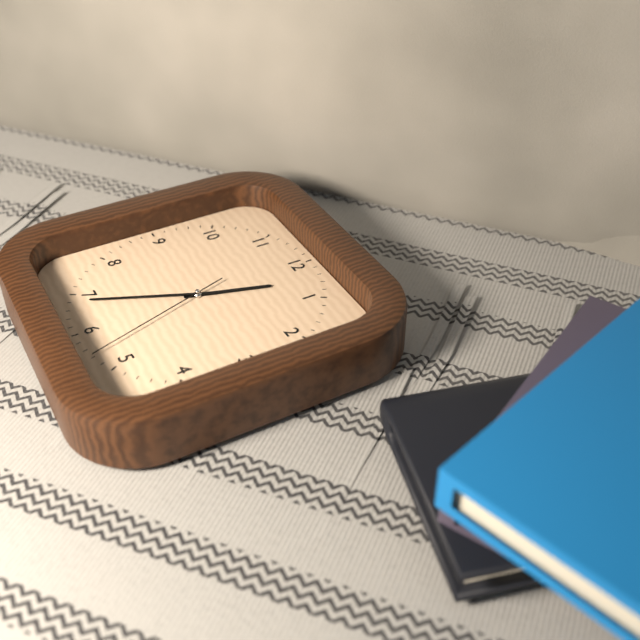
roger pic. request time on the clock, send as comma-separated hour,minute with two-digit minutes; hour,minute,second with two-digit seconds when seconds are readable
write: 12,34,27
